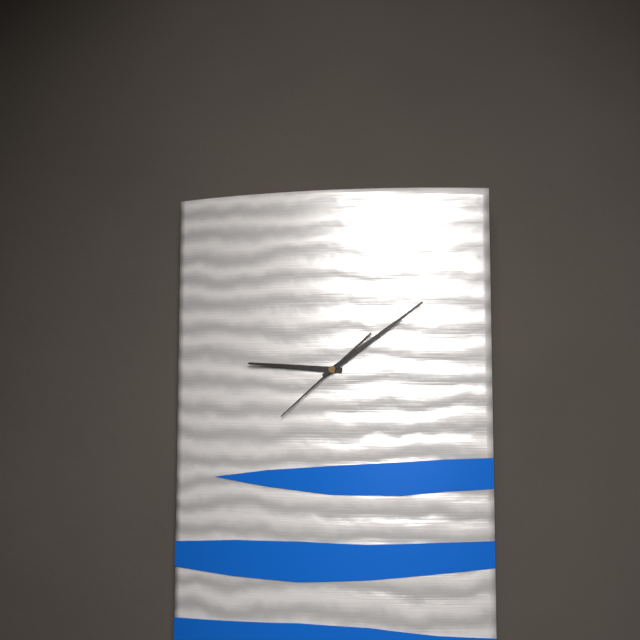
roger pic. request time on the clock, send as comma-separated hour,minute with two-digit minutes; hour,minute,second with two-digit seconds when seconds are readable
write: 9,09,38
